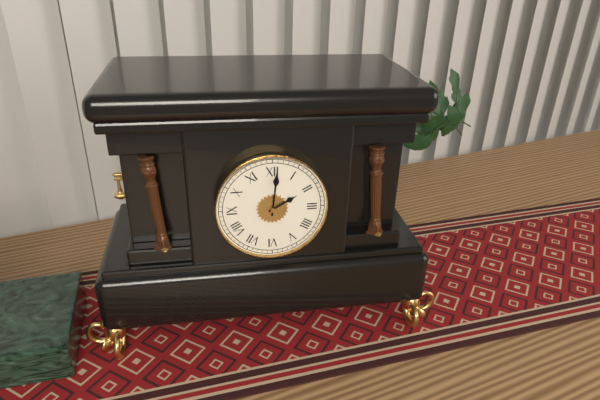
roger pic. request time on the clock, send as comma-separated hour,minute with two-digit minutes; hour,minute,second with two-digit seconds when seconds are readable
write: 2,01
